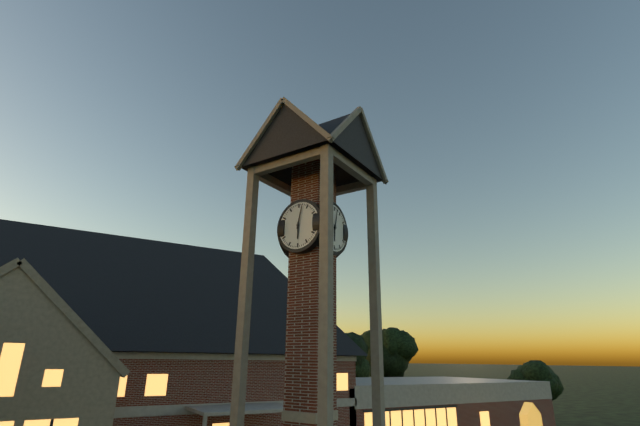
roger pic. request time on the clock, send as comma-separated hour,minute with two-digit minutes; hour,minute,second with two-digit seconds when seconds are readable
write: 6,02
